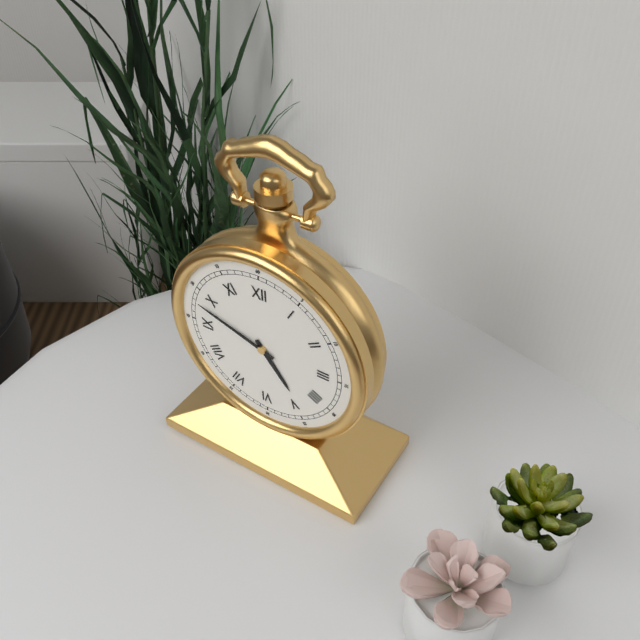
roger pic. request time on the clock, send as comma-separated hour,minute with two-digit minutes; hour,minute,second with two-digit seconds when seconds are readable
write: 4,48
